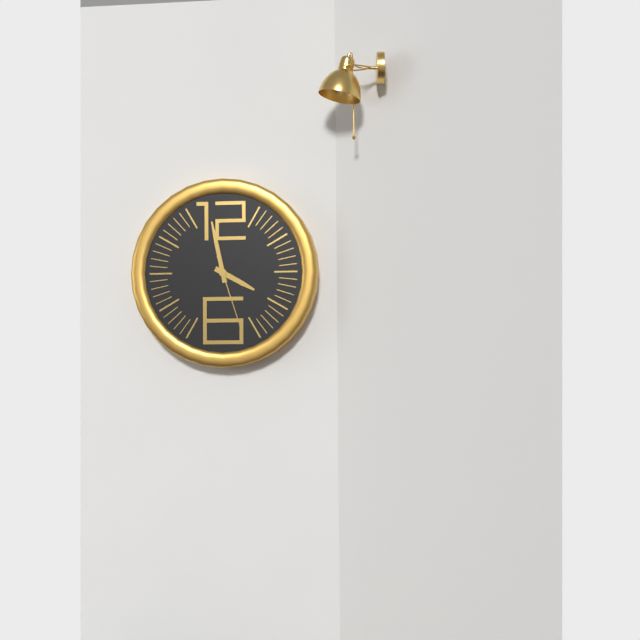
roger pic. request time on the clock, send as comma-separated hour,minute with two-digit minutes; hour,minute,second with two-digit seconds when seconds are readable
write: 3,58,27
